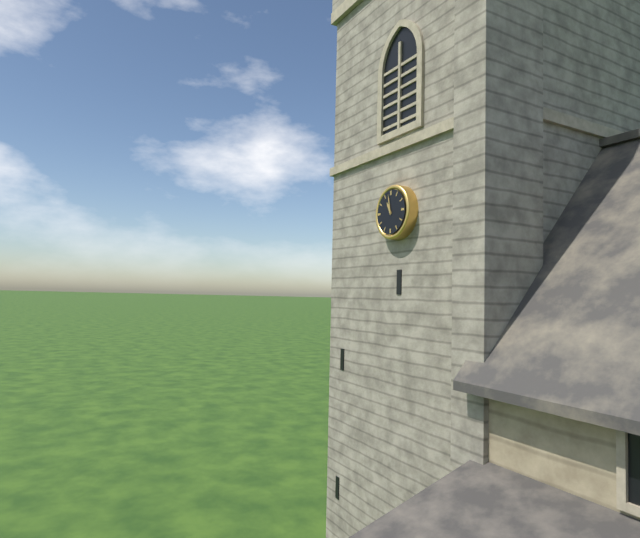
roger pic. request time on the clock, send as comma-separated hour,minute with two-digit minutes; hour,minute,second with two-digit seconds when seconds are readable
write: 10,58
